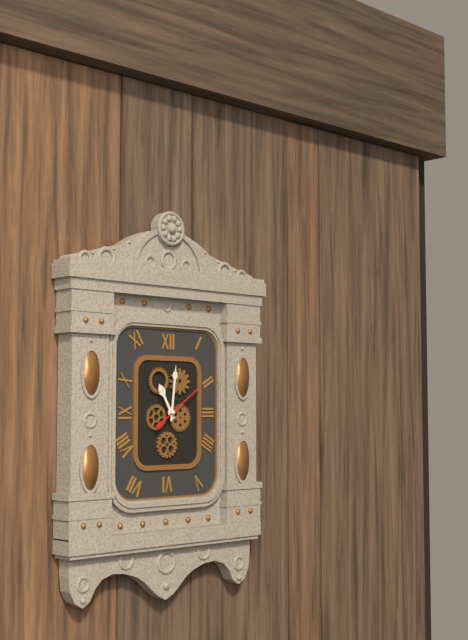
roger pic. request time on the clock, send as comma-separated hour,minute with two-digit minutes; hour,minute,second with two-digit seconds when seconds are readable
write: 11,01
